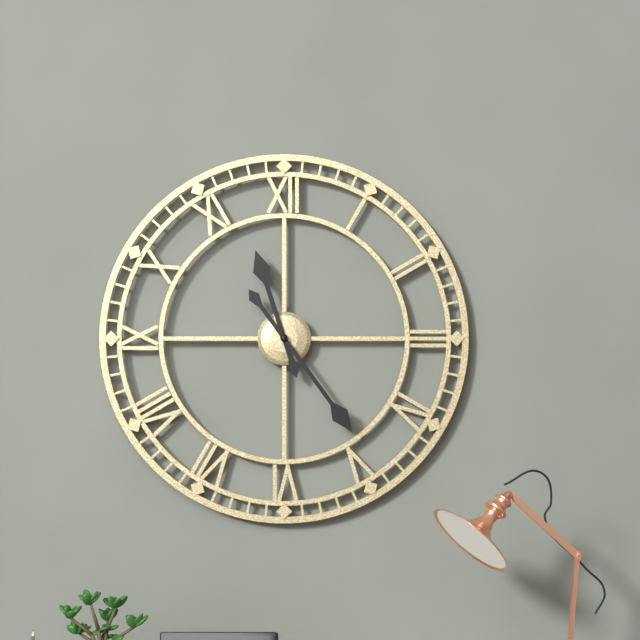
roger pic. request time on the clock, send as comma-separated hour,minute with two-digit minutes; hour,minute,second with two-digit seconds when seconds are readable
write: 11,24
